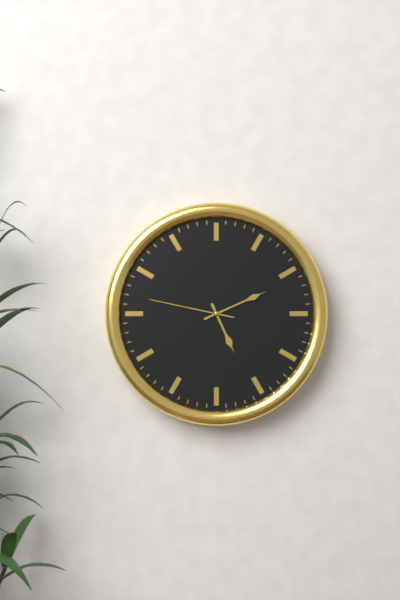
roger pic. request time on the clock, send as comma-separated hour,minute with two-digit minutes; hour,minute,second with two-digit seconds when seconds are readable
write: 5,11,47
